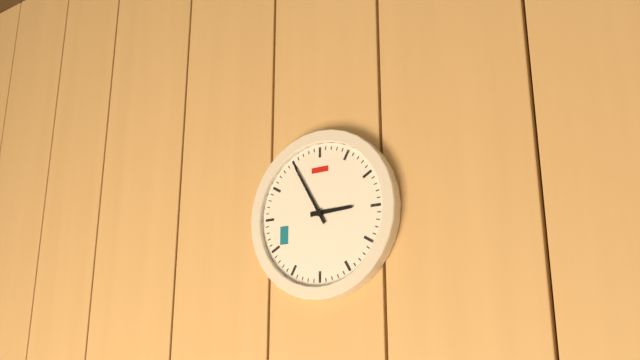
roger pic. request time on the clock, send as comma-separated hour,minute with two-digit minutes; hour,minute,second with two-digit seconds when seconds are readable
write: 2,55
